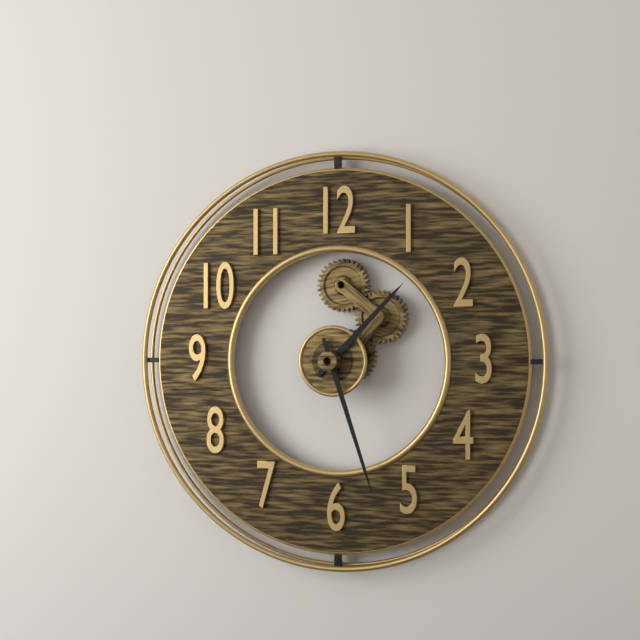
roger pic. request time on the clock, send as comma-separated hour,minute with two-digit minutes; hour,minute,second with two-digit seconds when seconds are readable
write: 1,27
